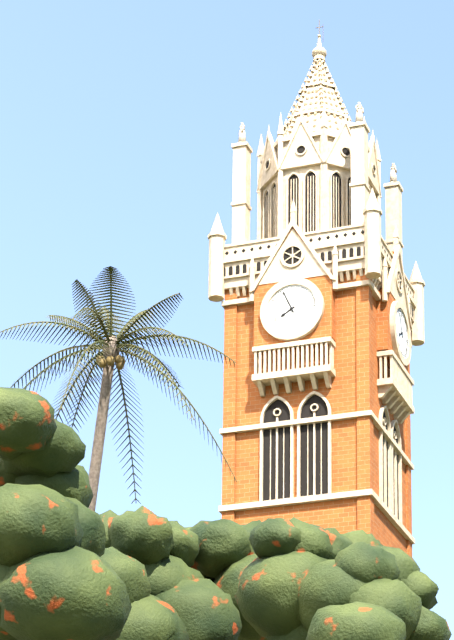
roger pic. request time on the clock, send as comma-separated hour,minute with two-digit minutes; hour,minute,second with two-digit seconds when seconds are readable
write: 7,56
